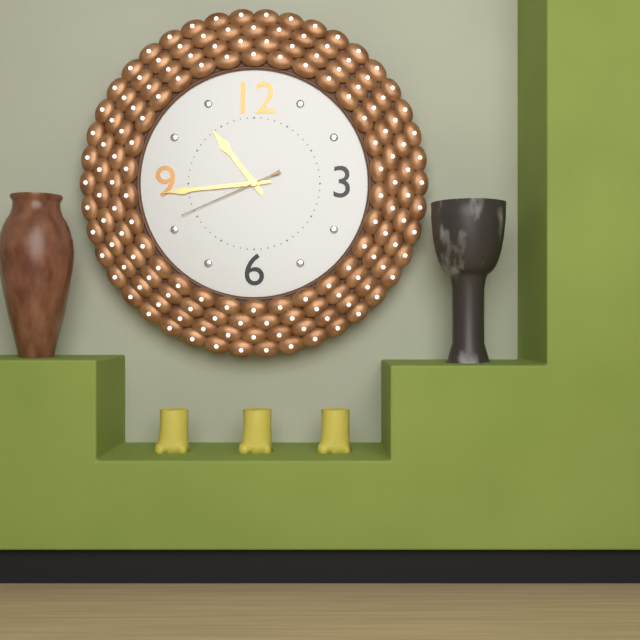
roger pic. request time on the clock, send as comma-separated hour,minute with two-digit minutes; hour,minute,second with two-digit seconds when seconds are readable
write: 10,44,41
